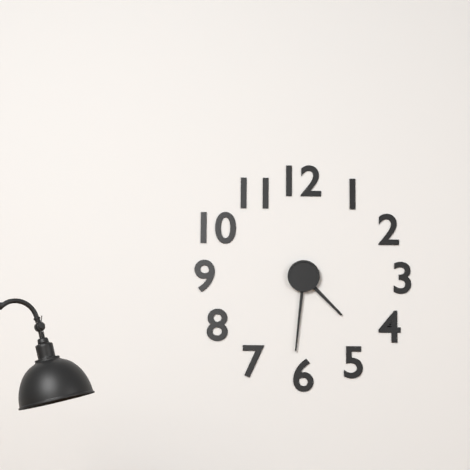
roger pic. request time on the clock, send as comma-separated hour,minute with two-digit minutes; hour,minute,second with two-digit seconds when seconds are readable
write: 4,31
